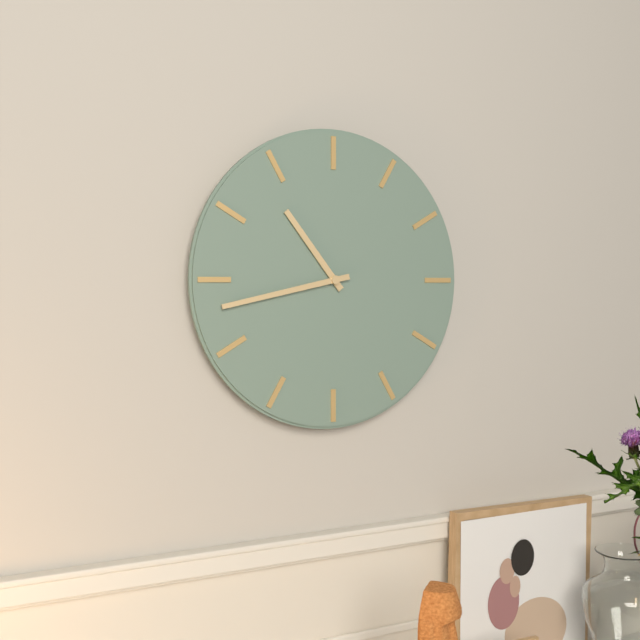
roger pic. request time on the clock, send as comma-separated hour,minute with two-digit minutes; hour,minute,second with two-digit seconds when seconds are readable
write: 10,43
